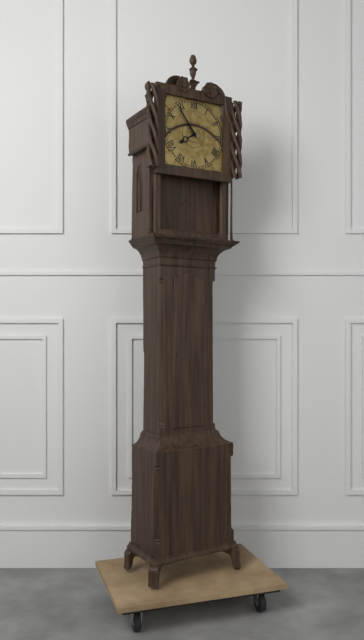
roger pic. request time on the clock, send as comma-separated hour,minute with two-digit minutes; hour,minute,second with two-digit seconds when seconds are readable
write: 7,54
